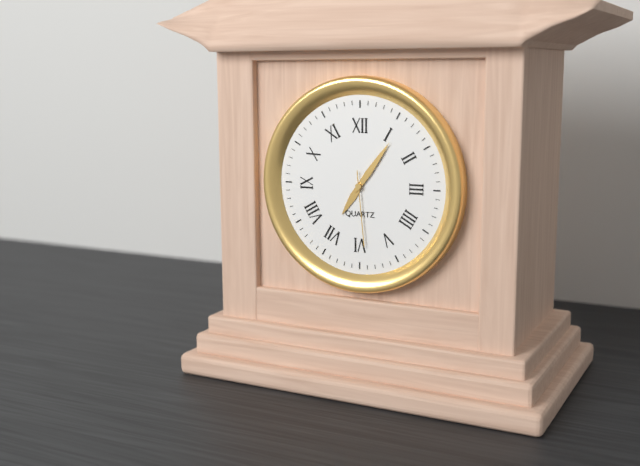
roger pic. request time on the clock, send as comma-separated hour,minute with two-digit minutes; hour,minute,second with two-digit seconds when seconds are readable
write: 7,06,29
